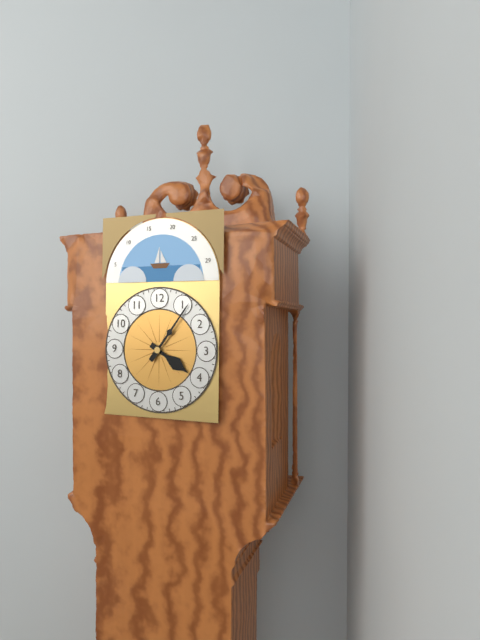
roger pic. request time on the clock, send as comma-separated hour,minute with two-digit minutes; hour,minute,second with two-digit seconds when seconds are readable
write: 4,06
